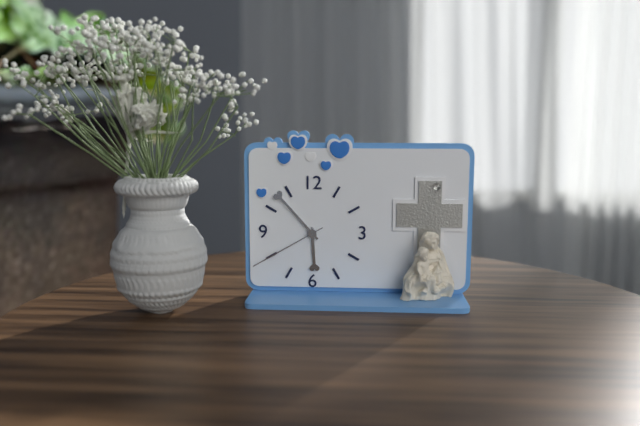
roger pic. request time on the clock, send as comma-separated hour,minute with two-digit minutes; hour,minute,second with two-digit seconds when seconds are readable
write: 5,53,40
